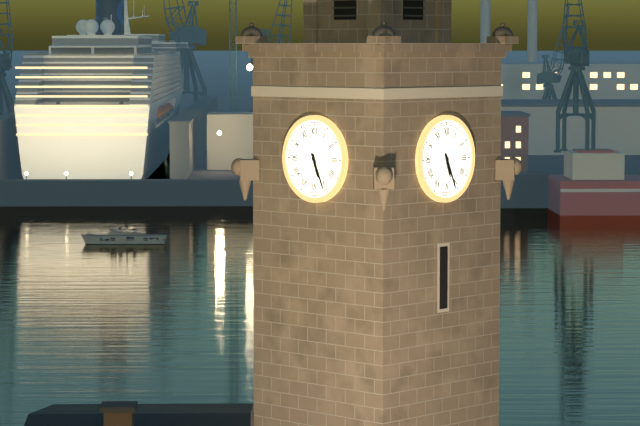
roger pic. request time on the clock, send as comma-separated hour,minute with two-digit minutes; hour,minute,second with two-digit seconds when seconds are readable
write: 5,26
